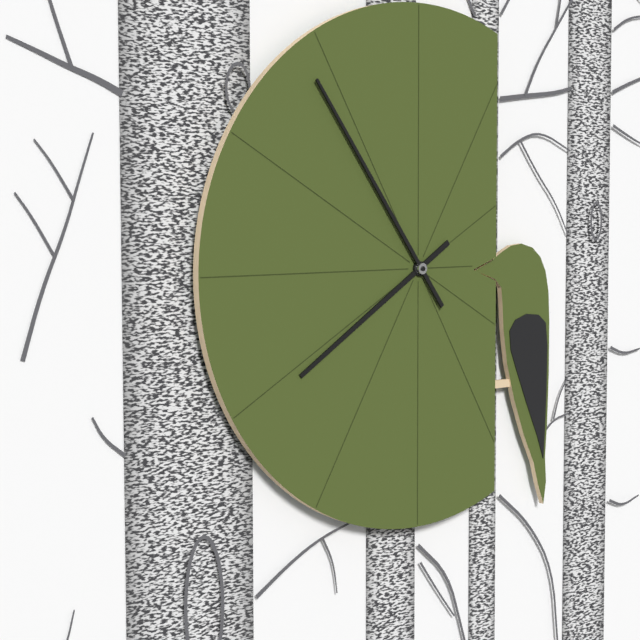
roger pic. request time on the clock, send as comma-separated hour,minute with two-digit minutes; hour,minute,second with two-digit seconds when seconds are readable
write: 7,54
